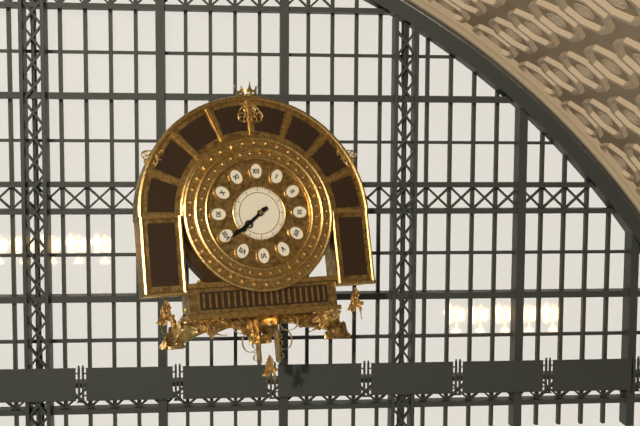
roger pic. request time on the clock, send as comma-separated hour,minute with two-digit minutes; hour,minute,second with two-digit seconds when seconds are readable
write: 7,39
